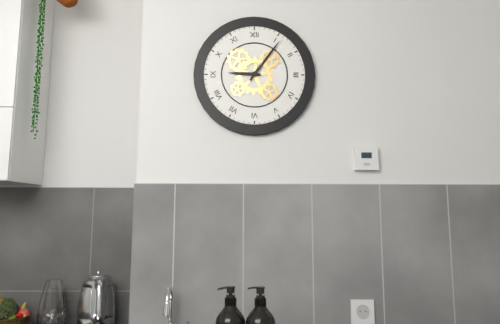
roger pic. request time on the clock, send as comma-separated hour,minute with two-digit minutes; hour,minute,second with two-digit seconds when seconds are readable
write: 9,06
